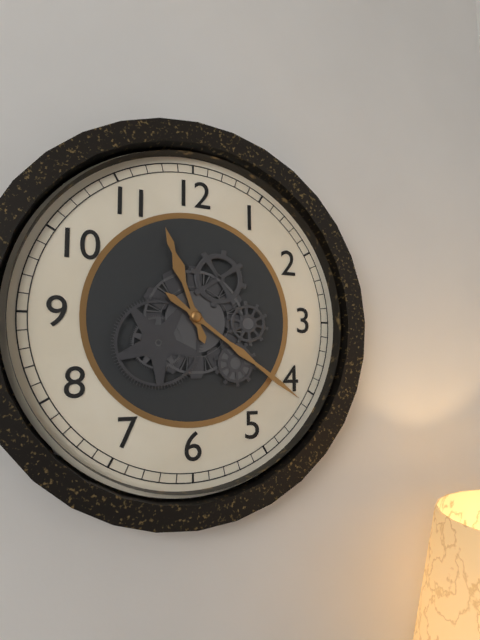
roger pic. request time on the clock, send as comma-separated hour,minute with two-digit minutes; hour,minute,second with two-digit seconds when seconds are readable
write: 11,21
